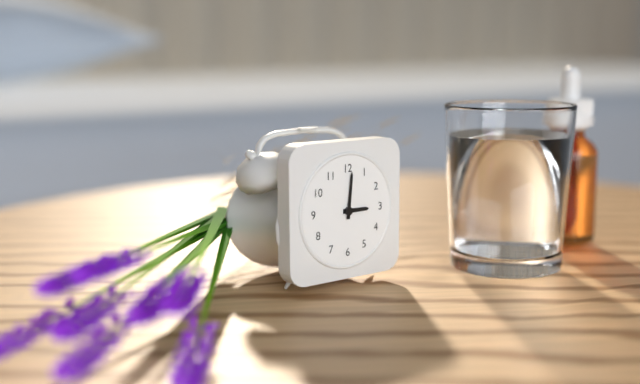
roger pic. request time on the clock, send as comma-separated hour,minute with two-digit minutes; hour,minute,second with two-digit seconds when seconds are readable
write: 3,01
